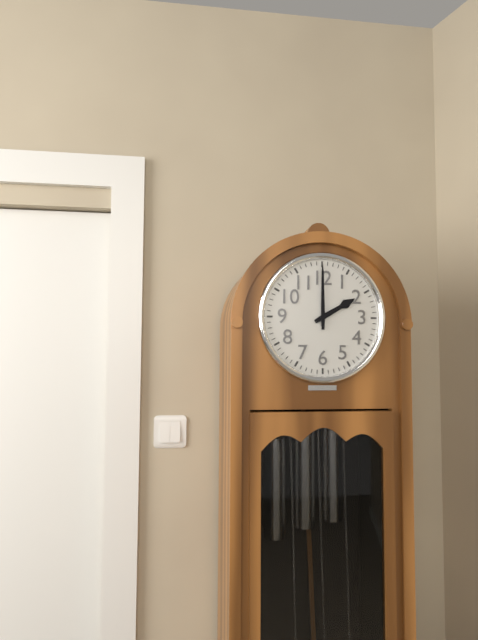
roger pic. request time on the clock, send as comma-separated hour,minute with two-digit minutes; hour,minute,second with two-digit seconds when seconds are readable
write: 2,00
